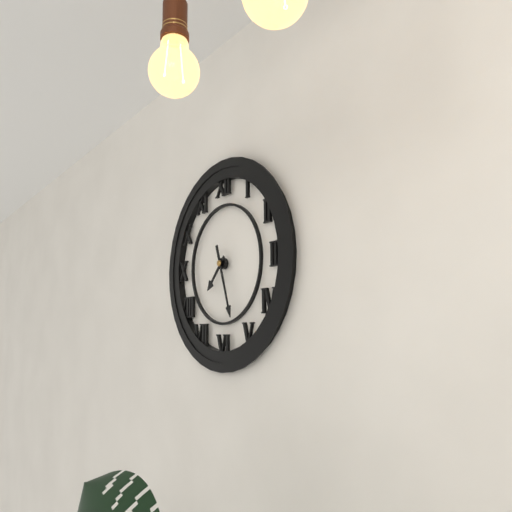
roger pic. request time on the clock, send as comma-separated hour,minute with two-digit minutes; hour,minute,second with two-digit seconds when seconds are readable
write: 7,27
